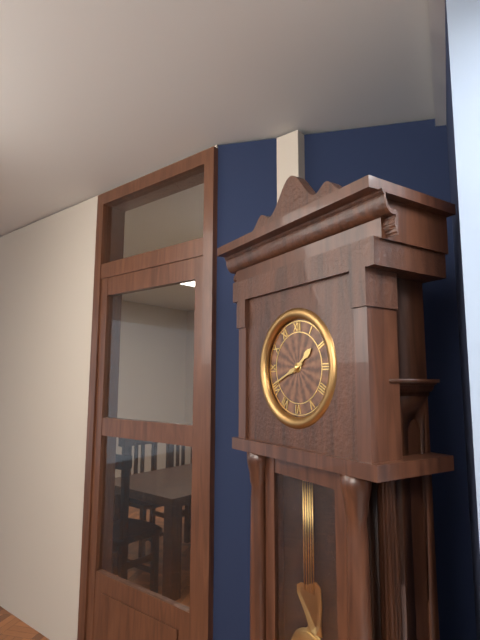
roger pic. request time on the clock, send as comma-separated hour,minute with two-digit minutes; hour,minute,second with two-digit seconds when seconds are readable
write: 1,41
